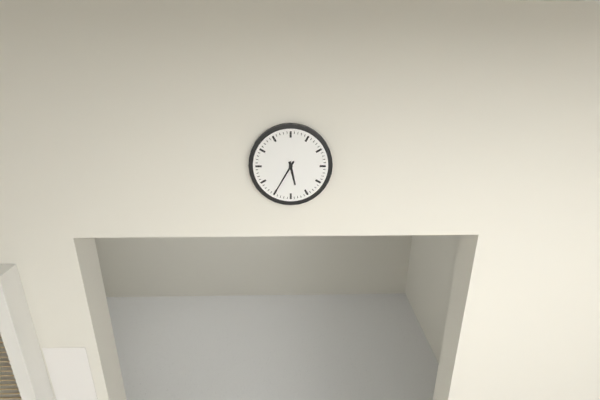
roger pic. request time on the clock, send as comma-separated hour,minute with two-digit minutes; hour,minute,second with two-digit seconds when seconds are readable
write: 5,35
